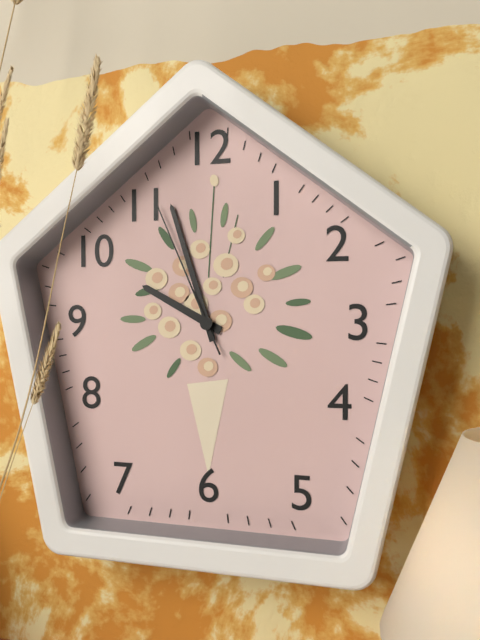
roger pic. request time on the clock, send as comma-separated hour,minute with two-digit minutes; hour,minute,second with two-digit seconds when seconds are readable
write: 9,57,56
